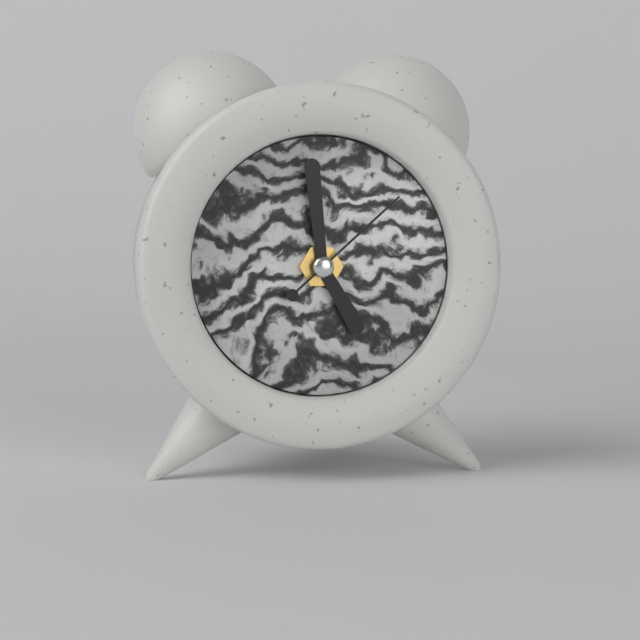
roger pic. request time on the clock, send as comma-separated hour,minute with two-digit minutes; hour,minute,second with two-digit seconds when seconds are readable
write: 4,59,08
